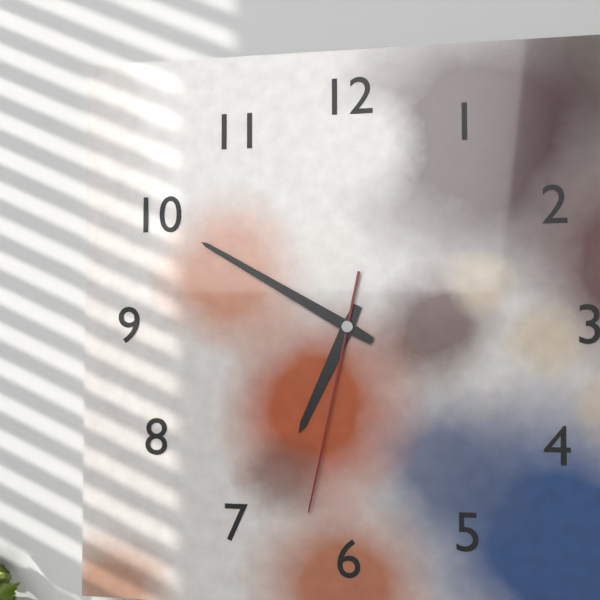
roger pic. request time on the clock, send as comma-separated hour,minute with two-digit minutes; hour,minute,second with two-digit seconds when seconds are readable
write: 6,50,32
